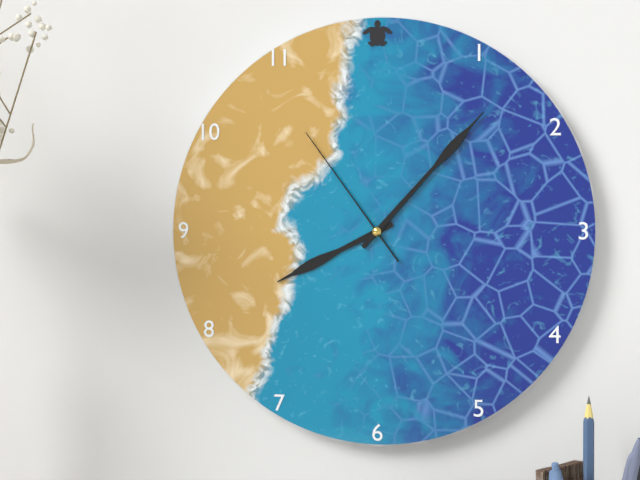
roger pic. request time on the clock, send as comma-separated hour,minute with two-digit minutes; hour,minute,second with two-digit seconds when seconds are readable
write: 8,07,54
